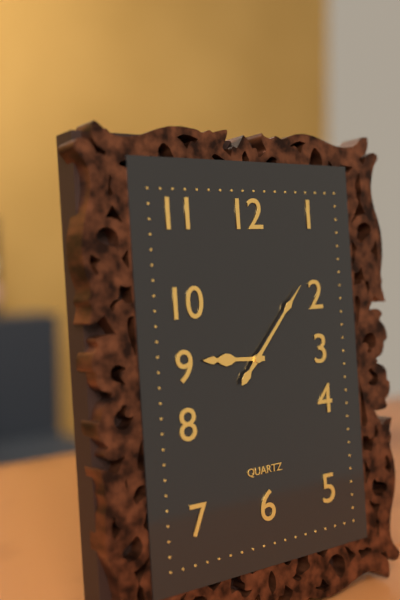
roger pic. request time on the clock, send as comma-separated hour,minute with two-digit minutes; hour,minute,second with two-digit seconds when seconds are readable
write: 9,07
